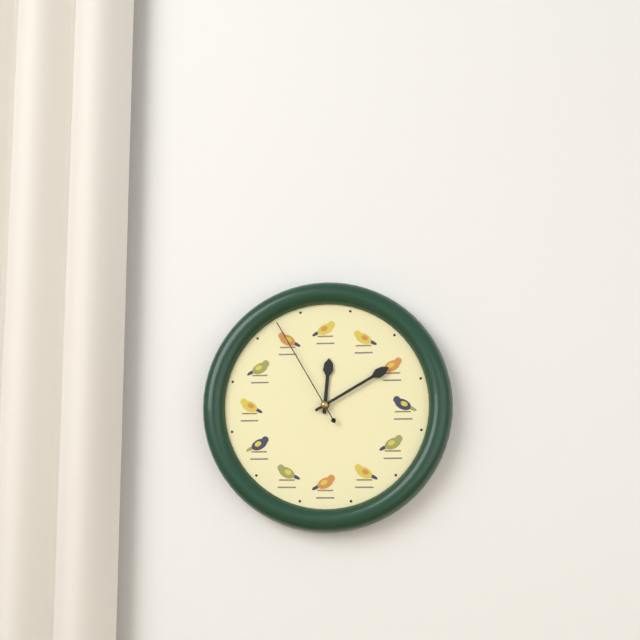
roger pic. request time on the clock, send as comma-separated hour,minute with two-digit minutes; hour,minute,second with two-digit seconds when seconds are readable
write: 12,10,55
